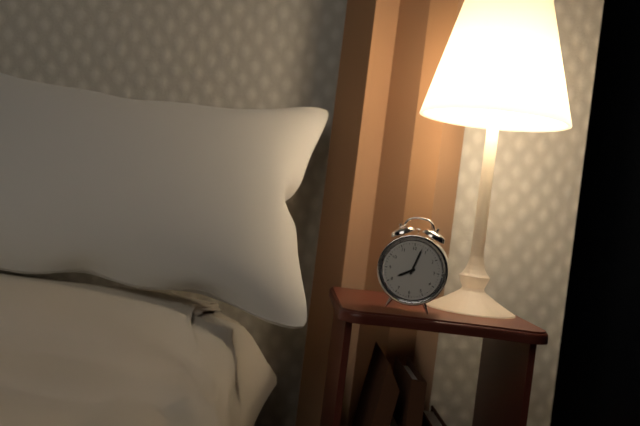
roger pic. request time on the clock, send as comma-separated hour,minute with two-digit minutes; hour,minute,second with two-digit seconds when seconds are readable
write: 8,03
